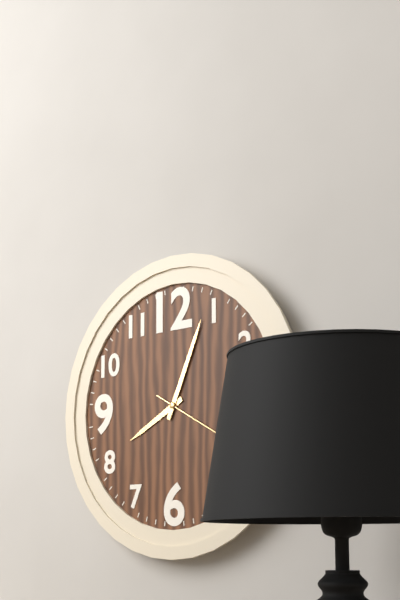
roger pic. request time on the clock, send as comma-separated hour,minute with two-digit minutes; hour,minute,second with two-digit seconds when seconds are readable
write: 8,04,20
